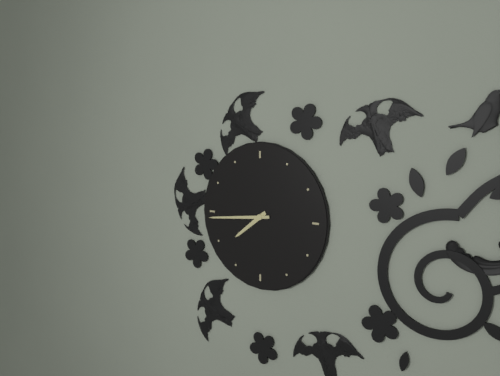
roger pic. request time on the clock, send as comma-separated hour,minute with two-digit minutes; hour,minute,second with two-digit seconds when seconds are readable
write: 7,44
